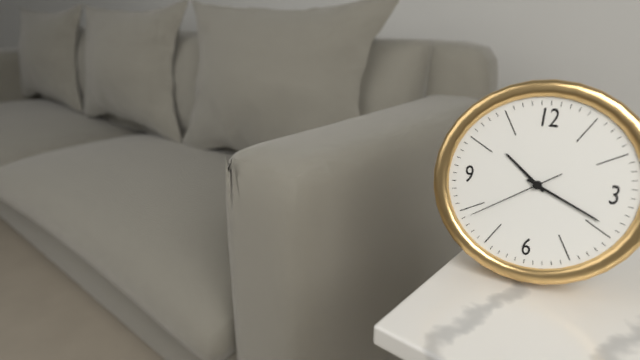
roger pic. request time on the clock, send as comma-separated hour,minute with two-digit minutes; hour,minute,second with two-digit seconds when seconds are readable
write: 10,19,39
